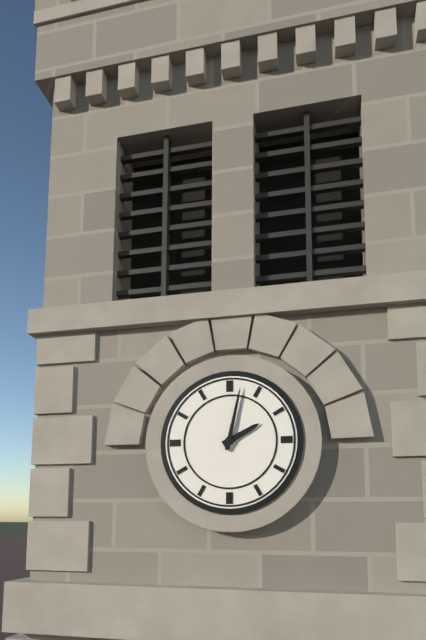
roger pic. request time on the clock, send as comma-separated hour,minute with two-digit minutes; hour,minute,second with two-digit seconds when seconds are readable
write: 2,02
